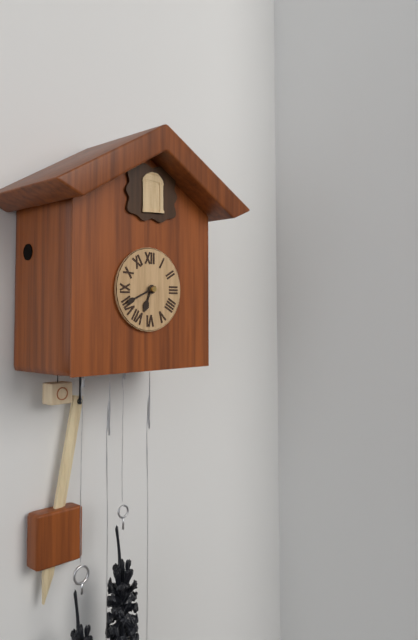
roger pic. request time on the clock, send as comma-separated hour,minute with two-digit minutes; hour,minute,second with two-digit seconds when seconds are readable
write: 6,41
